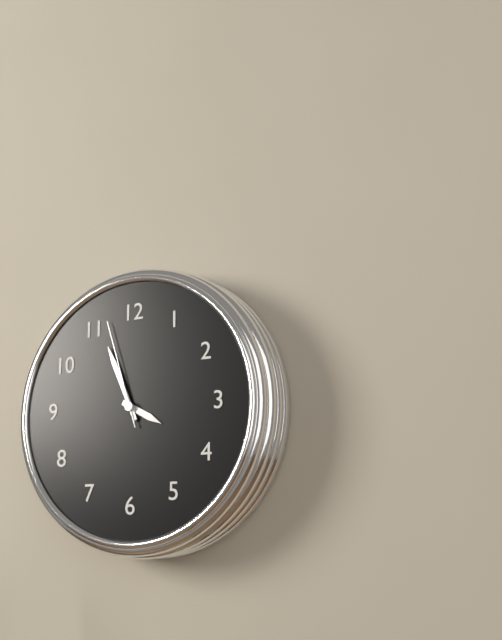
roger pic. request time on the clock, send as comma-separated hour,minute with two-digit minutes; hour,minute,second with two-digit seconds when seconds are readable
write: 3,56,57
